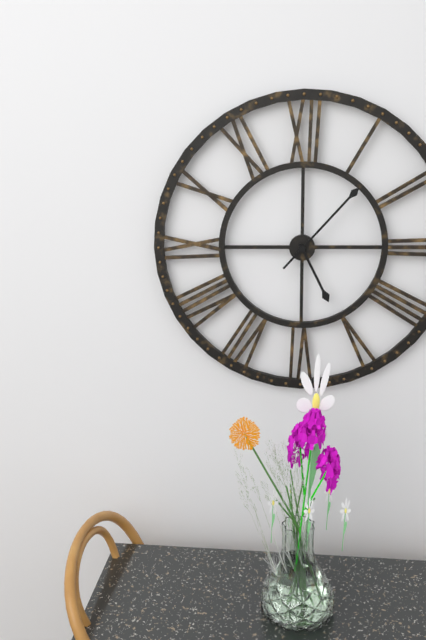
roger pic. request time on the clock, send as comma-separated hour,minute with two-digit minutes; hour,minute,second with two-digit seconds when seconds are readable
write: 5,07
